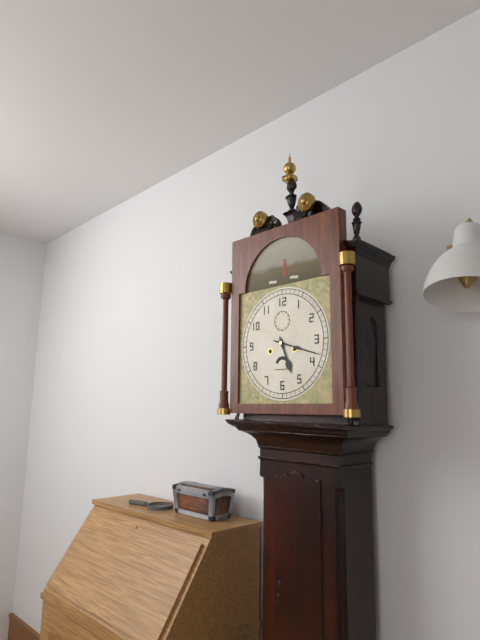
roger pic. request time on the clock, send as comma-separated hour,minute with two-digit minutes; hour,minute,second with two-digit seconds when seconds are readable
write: 5,18
